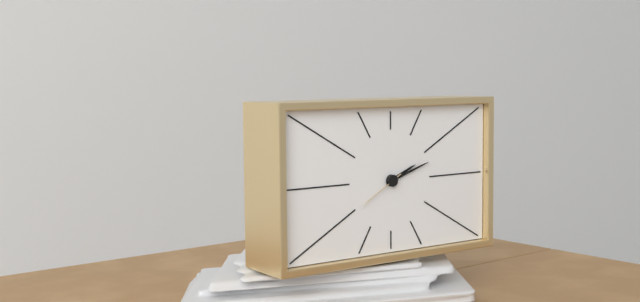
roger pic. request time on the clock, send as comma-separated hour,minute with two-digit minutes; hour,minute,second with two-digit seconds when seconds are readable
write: 2,12,40
